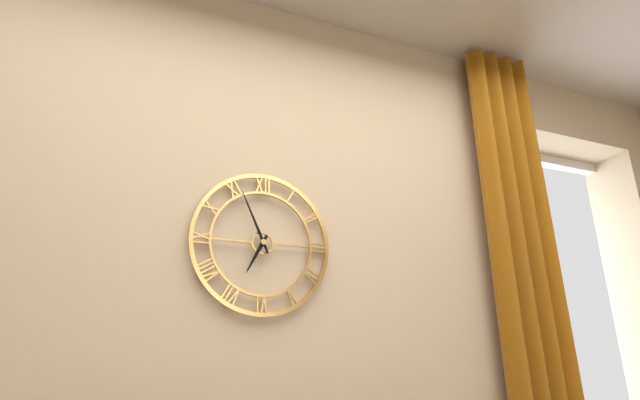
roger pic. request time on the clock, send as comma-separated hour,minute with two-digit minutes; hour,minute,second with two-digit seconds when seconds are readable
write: 6,56
